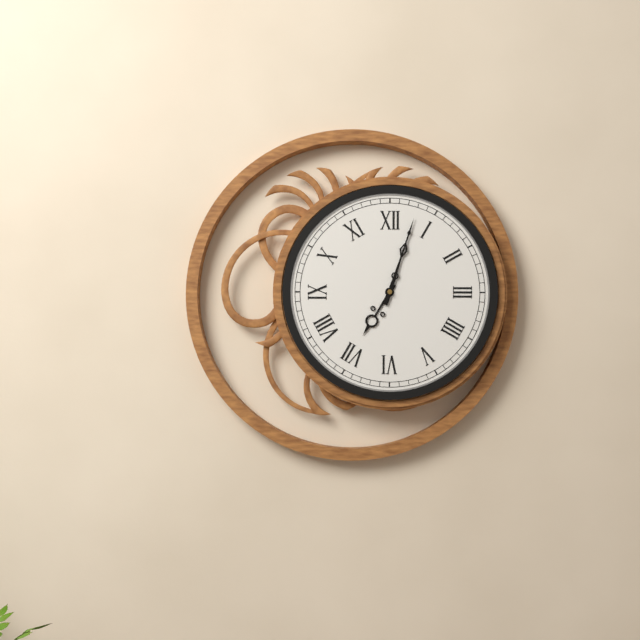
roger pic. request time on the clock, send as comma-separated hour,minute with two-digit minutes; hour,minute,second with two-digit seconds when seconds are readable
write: 7,03
